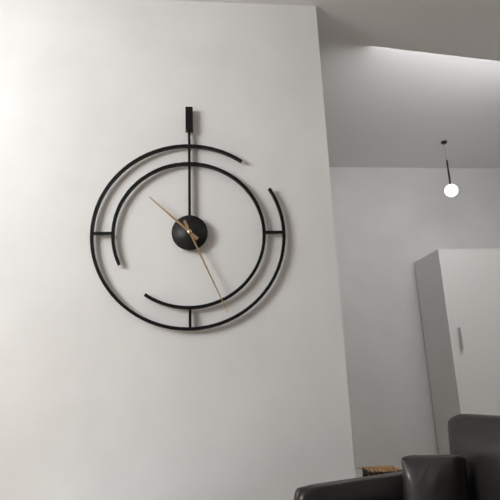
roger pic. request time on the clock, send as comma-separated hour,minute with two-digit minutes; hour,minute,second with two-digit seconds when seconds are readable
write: 10,26
